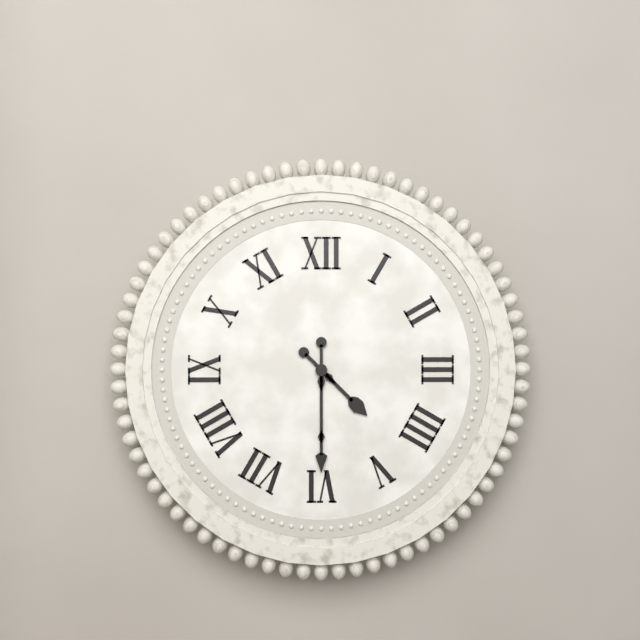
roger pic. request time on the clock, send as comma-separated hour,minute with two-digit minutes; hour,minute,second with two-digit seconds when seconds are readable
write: 4,30
